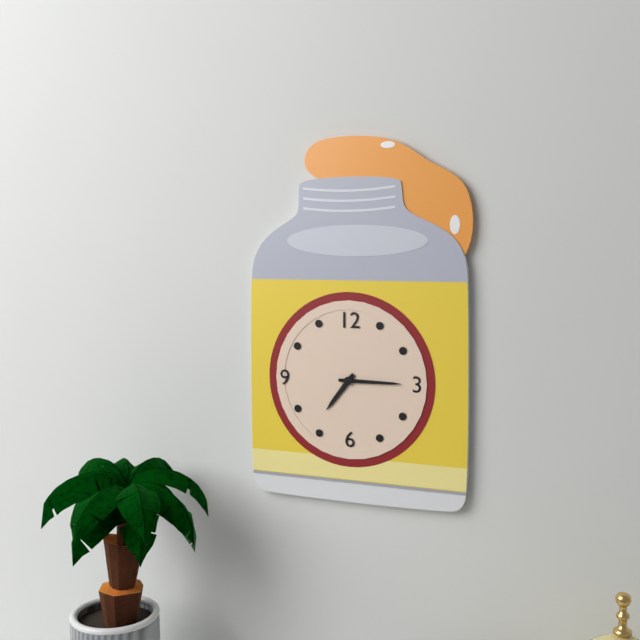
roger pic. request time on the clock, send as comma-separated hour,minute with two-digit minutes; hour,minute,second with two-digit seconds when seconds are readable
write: 7,15
